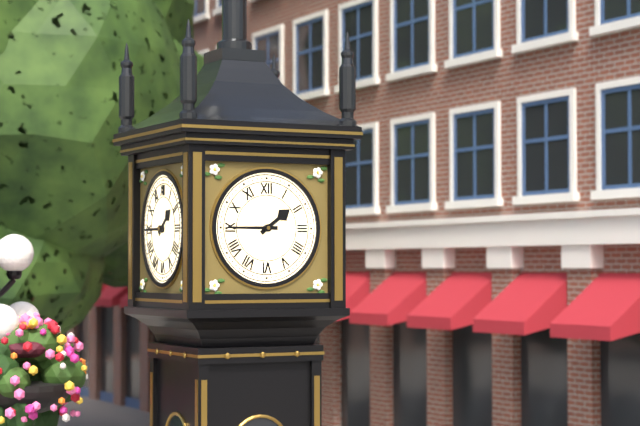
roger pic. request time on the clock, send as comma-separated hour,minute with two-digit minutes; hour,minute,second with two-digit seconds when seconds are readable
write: 1,45
